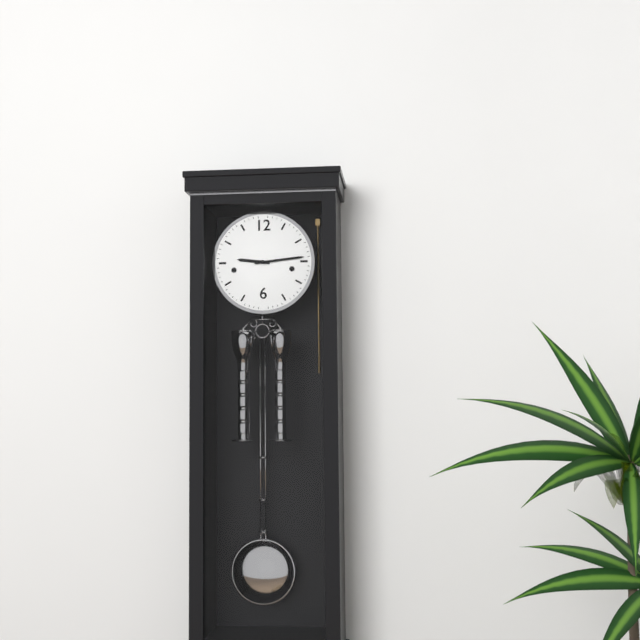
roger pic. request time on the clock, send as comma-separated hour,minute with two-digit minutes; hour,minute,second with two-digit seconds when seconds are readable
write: 9,14
